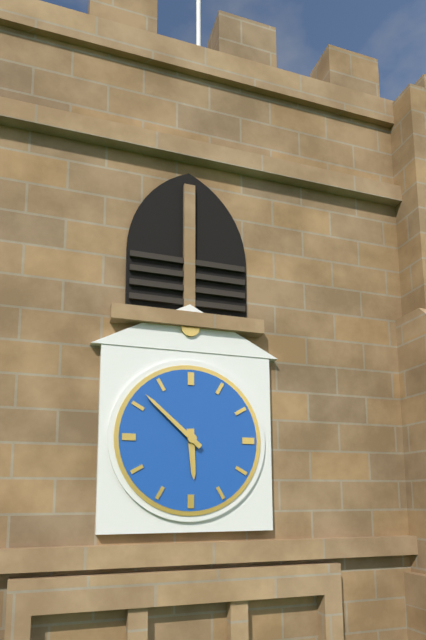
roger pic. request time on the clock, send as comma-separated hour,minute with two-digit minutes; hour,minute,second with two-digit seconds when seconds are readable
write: 5,52
